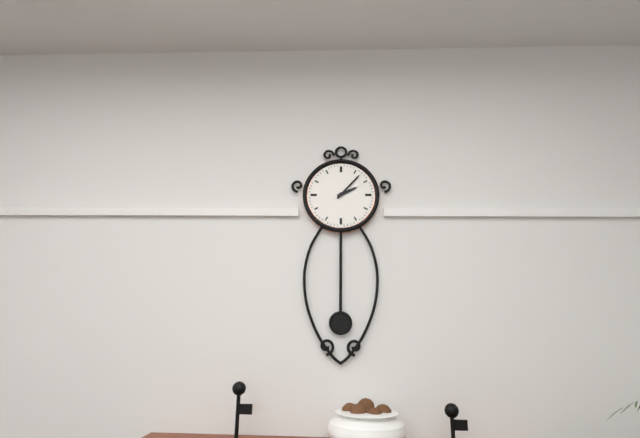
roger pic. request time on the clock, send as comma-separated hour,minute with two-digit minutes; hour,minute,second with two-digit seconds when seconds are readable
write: 2,07
